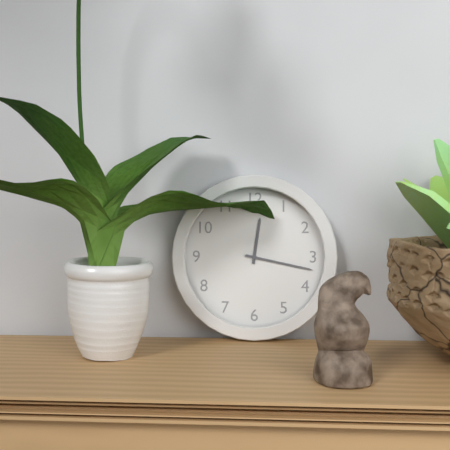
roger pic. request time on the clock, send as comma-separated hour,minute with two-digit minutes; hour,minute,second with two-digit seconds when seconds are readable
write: 12,17
